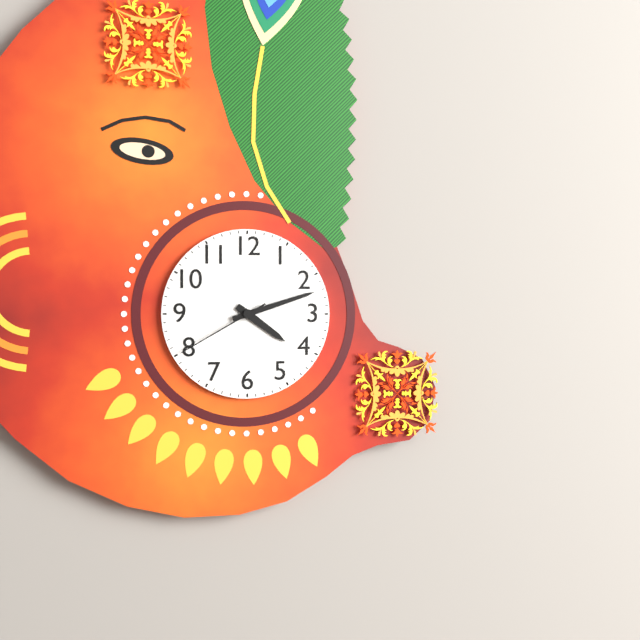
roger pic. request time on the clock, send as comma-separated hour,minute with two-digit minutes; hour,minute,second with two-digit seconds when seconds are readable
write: 4,12,40
